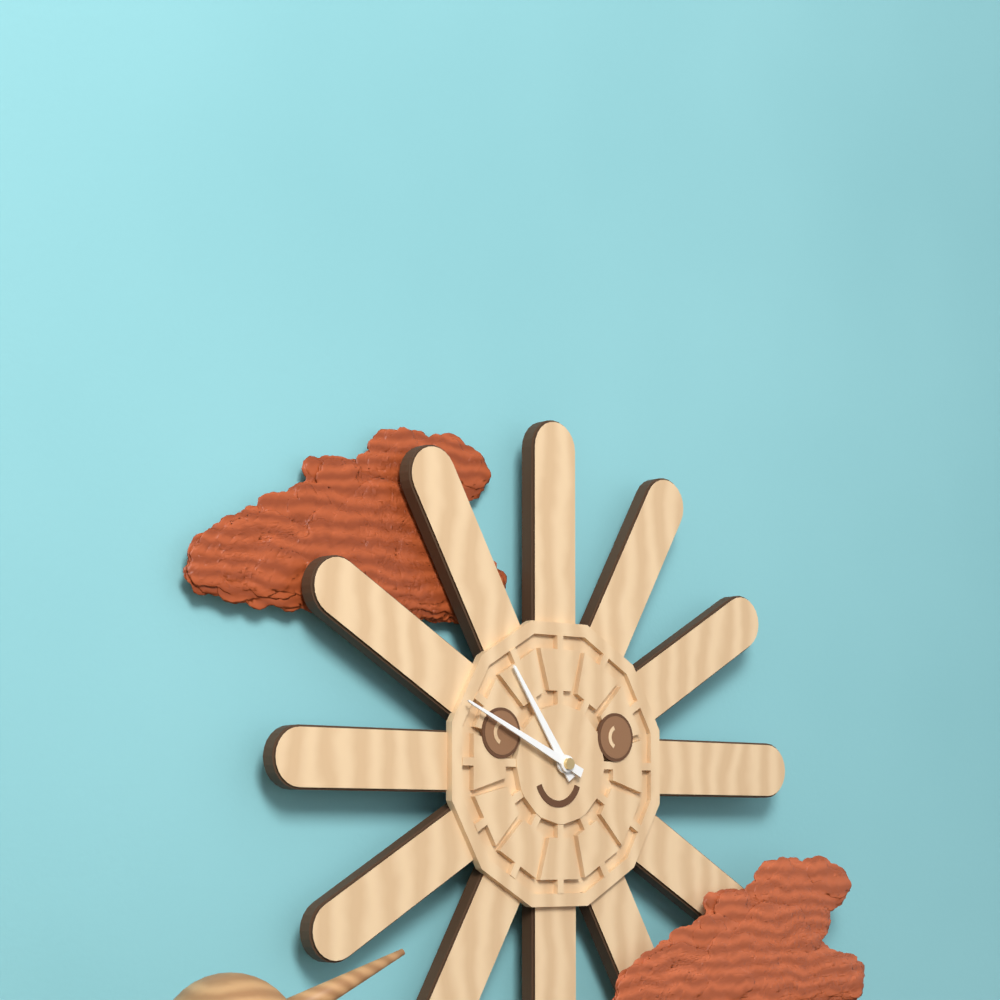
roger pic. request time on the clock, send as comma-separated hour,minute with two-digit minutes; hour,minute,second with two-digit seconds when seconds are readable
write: 10,49
